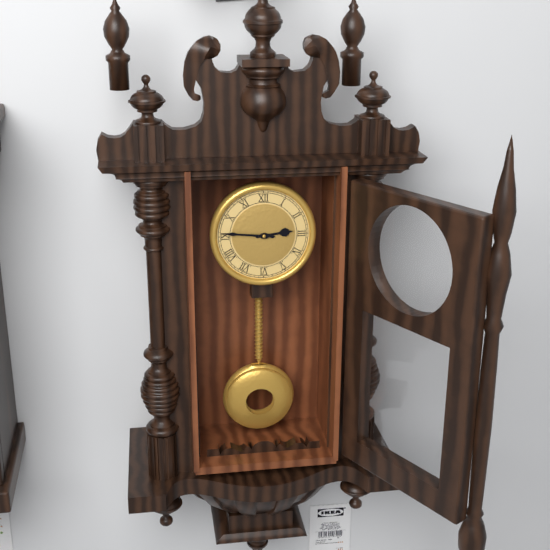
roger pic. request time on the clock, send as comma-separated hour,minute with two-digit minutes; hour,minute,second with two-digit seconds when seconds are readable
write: 2,46
